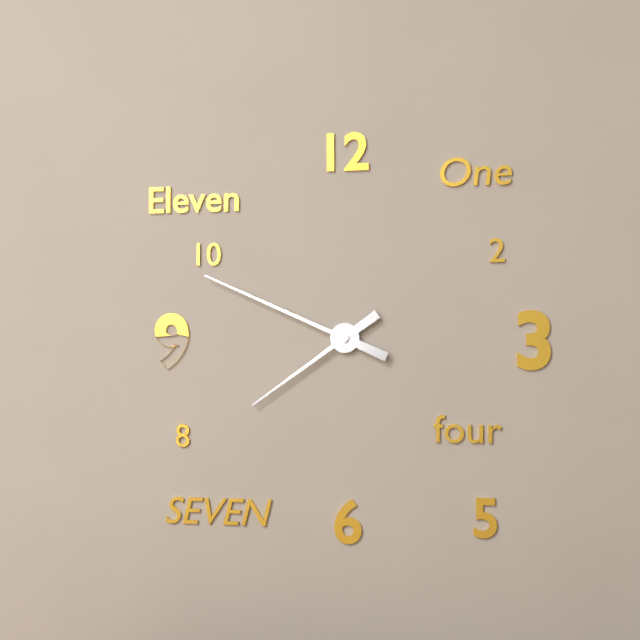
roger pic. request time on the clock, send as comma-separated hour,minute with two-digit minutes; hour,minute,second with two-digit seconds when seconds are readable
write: 7,49
